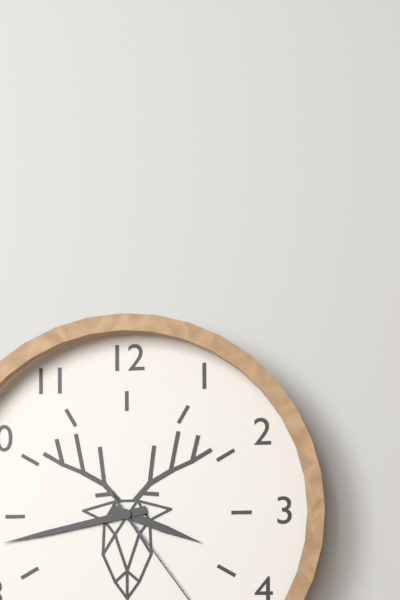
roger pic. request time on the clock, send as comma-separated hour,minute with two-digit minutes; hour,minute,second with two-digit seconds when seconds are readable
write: 3,43
